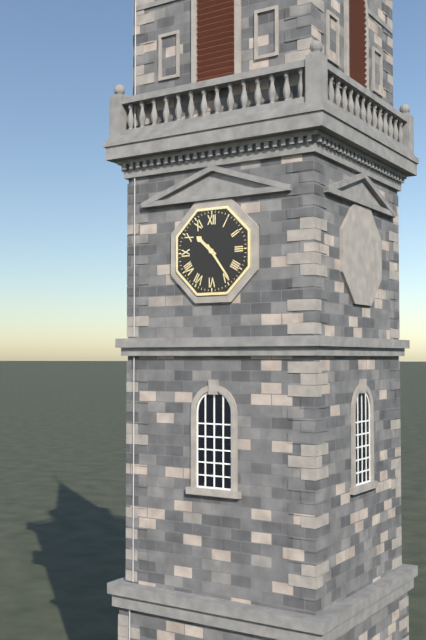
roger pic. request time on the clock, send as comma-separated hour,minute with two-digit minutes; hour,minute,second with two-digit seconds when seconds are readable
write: 10,24
